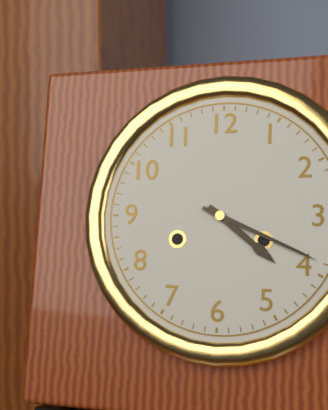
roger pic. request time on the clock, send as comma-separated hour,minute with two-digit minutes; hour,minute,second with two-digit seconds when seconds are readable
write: 4,19
